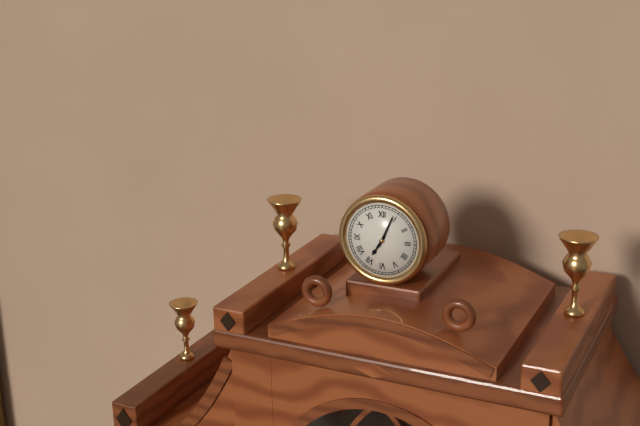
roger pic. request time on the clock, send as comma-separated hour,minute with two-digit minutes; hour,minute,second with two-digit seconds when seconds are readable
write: 7,04
